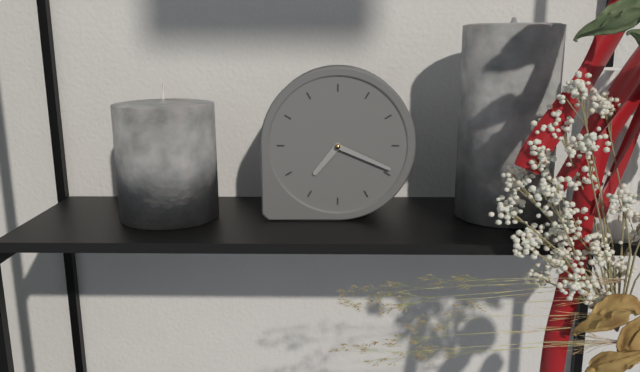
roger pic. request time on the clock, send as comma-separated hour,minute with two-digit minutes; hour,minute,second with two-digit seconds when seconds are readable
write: 7,19
